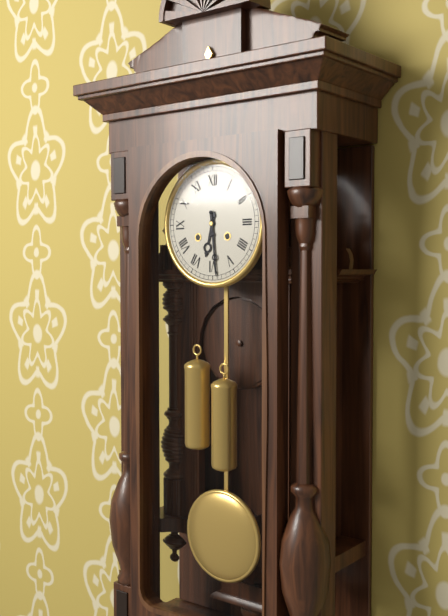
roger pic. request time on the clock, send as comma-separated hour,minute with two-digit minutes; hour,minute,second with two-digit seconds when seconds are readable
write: 6,29
